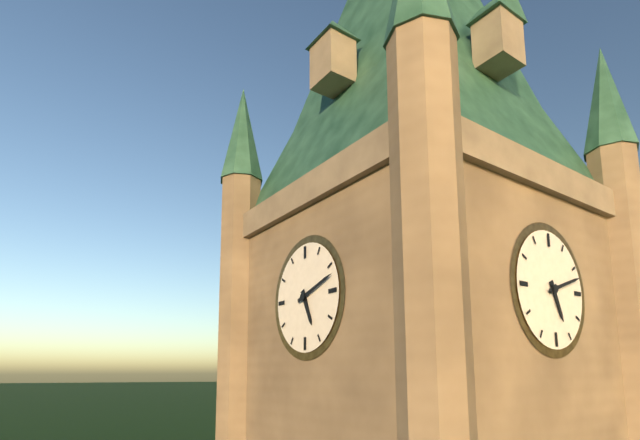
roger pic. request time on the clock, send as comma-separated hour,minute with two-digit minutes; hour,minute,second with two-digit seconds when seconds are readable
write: 5,12
